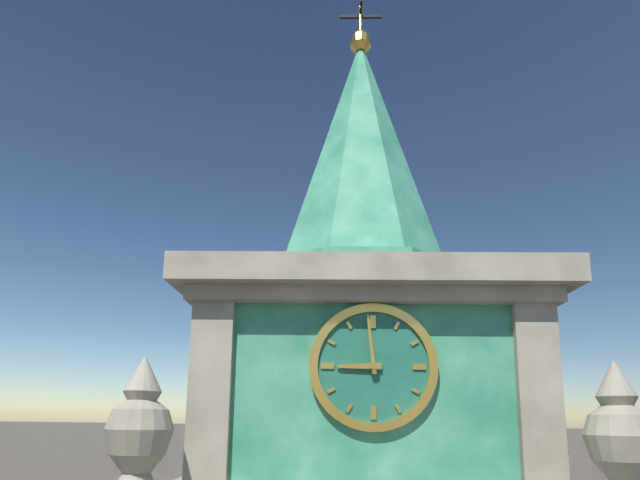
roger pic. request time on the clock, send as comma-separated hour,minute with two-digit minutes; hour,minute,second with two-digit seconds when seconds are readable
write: 8,59
